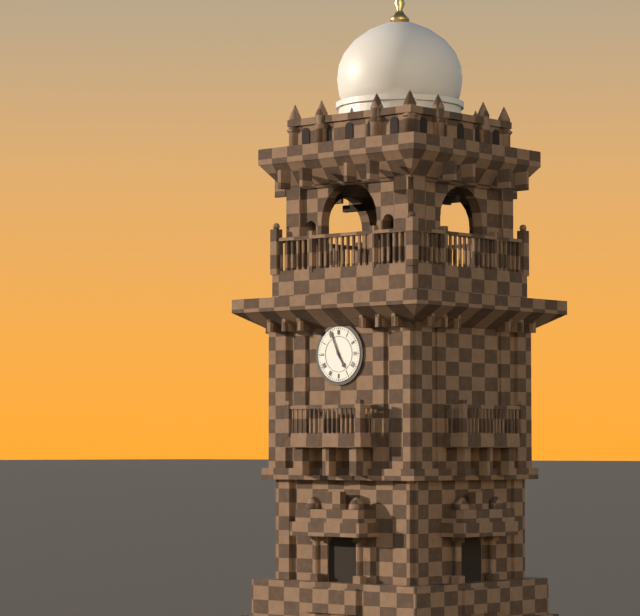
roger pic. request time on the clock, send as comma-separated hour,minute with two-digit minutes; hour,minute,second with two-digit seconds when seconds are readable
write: 4,56
